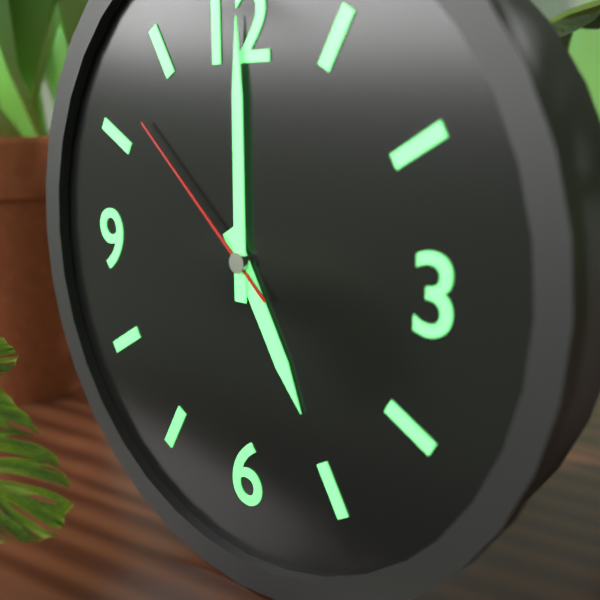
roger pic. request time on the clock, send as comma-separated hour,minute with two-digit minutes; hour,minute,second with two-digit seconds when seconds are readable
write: 5,00,52
